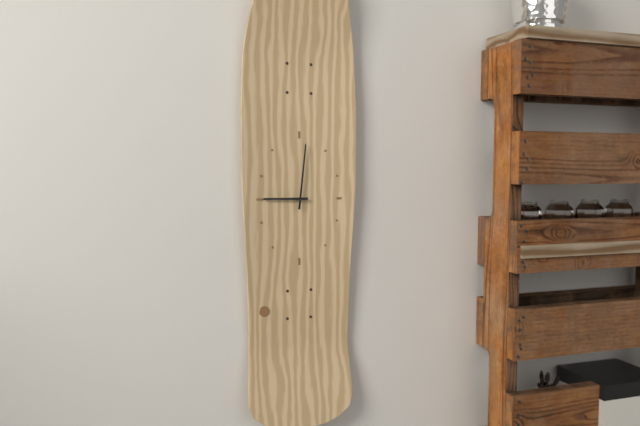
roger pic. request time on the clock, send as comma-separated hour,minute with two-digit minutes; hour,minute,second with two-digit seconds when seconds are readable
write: 9,01
